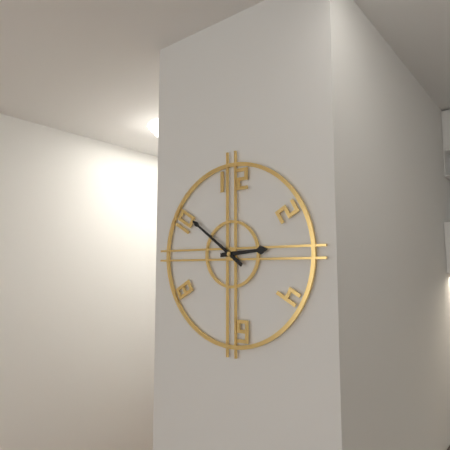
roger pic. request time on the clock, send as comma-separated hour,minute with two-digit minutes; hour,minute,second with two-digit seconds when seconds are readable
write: 2,51
